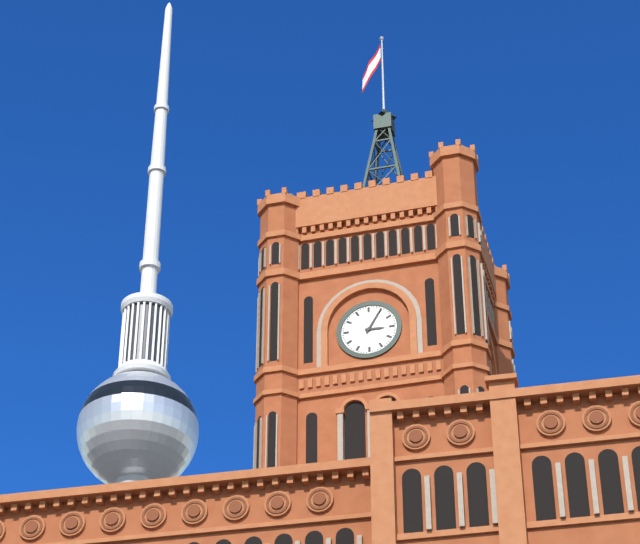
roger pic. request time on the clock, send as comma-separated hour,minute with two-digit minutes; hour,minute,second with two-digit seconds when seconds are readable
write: 3,05
